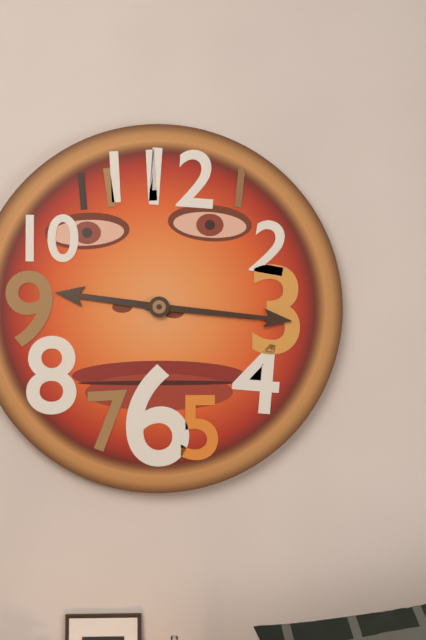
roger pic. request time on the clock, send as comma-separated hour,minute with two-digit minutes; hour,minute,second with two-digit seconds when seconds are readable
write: 9,16
